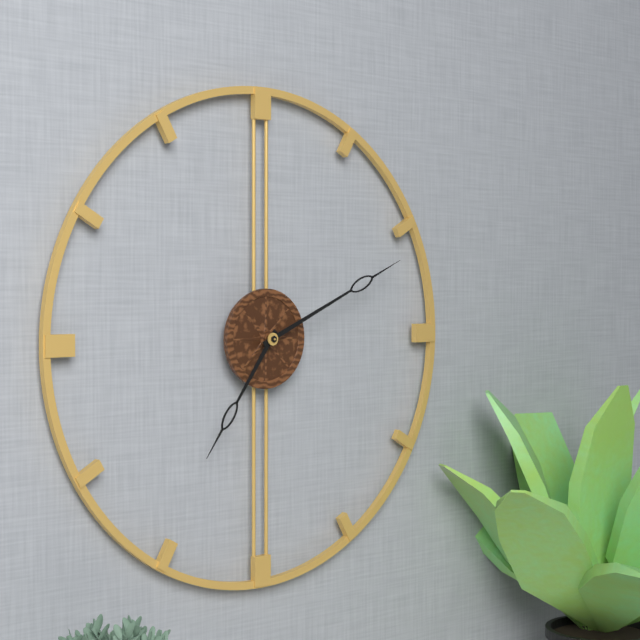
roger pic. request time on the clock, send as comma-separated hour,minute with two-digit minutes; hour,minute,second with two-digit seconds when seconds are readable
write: 7,11
